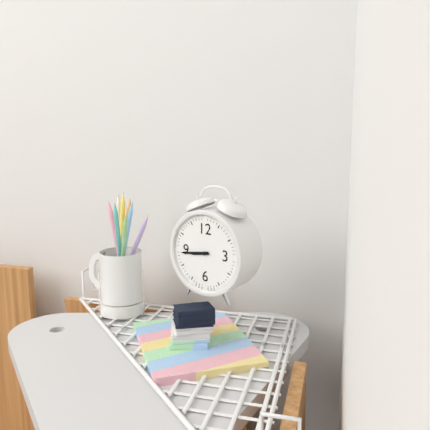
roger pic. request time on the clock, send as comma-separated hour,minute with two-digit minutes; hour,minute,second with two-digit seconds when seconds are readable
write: 8,44
